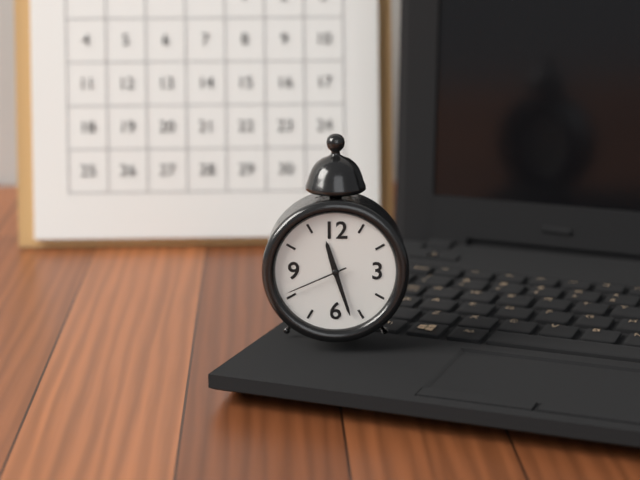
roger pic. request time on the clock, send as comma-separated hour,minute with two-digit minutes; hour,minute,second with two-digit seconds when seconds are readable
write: 11,27,41
